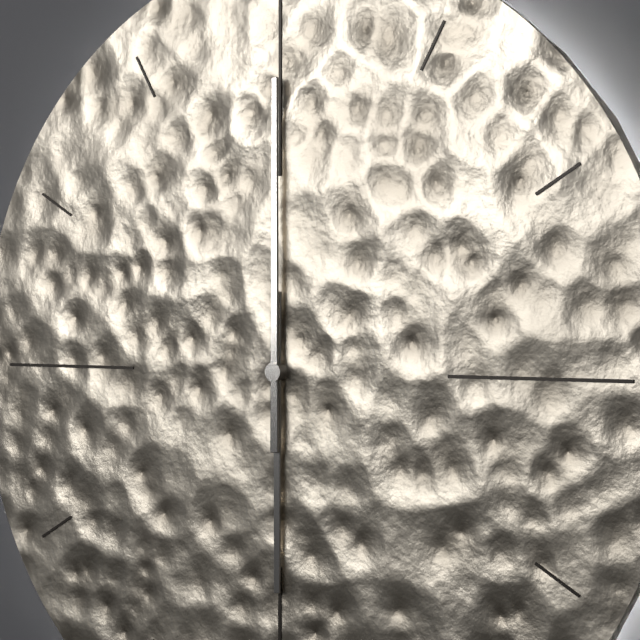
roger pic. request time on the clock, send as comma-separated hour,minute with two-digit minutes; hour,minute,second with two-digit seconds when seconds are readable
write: 6,00
